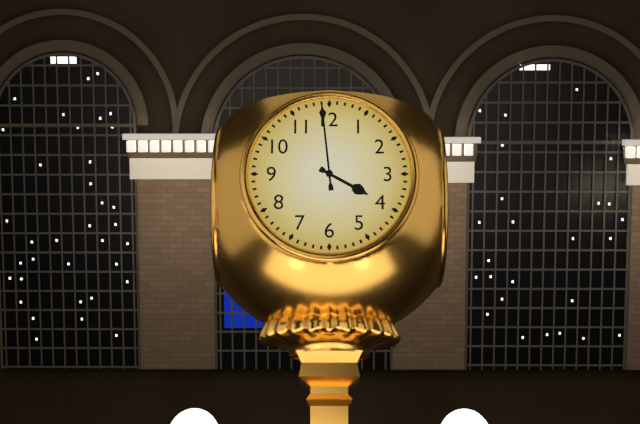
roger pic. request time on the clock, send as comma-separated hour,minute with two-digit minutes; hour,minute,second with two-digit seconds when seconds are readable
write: 3,59
